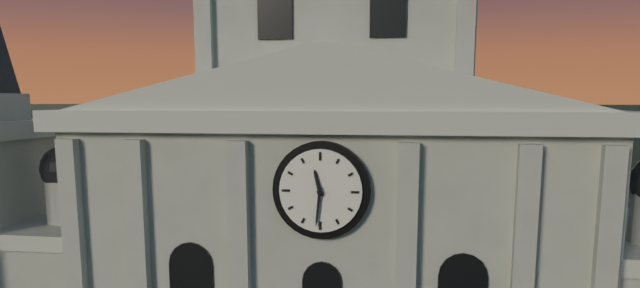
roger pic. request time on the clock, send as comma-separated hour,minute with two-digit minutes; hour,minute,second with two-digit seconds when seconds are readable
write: 11,31
